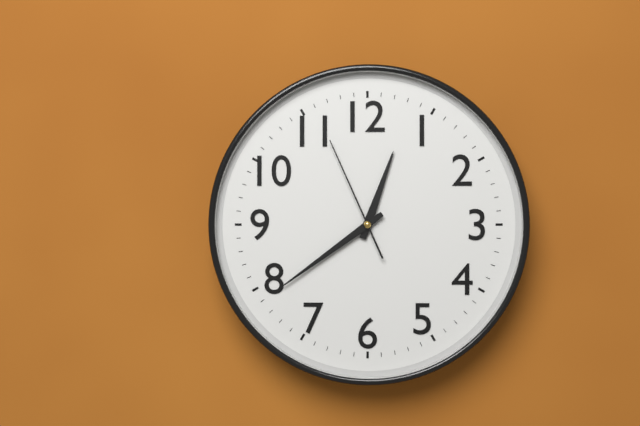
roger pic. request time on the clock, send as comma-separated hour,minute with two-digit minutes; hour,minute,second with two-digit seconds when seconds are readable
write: 12,39,56
